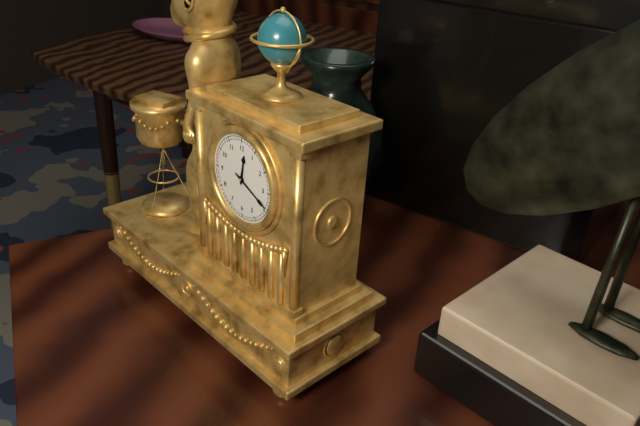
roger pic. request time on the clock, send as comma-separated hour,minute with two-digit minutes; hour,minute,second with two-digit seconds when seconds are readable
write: 12,19
